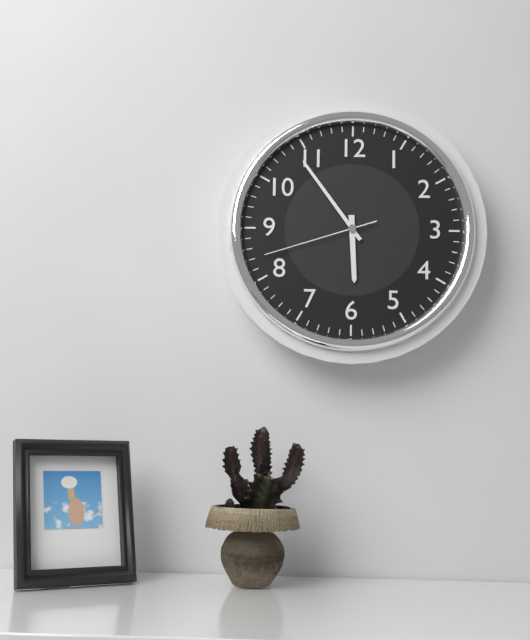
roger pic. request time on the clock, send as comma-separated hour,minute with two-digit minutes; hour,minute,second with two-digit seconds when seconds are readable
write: 5,54,42
